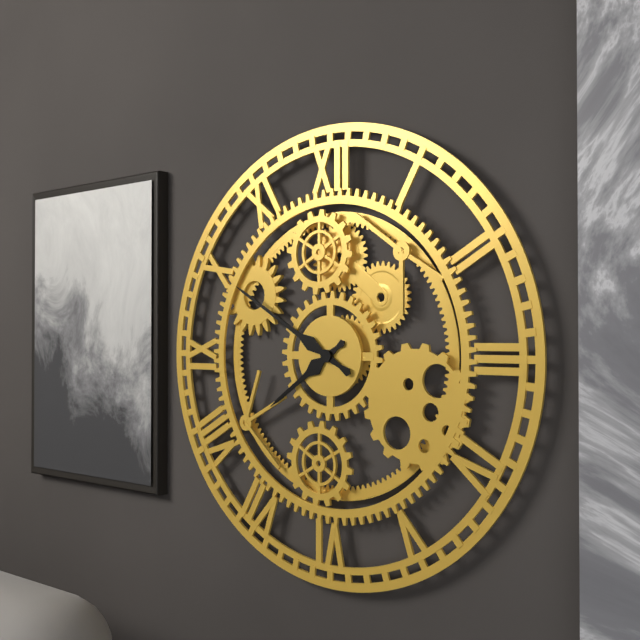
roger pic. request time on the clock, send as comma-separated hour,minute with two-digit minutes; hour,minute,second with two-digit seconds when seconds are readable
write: 7,50
